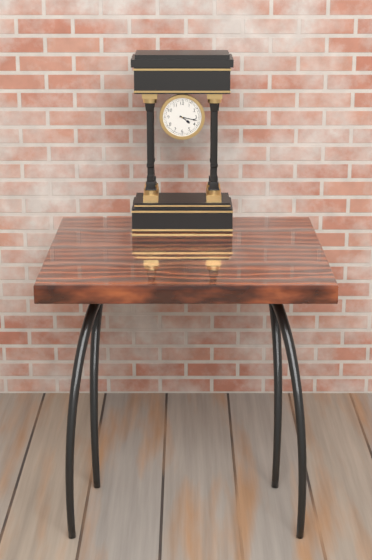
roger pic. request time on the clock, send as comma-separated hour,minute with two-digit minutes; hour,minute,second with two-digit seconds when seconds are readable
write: 4,17
